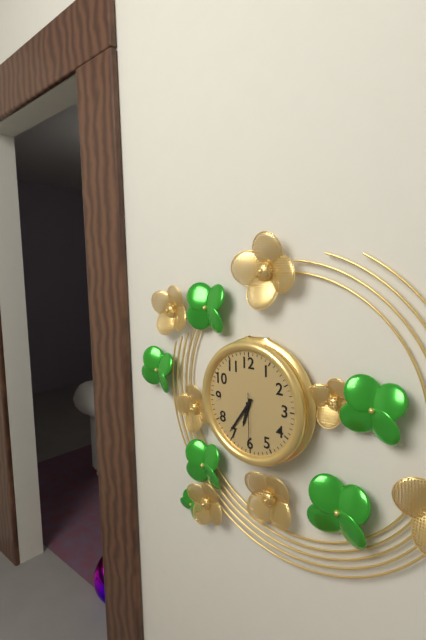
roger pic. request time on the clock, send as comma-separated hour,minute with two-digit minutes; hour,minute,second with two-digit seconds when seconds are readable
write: 6,36,30
